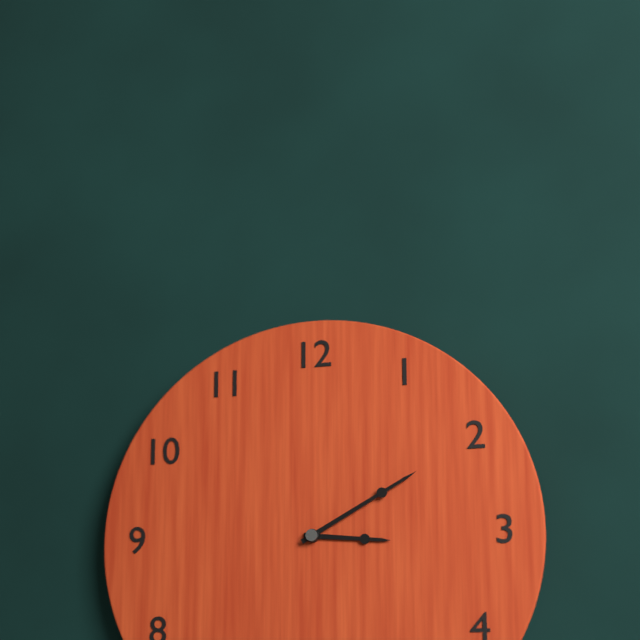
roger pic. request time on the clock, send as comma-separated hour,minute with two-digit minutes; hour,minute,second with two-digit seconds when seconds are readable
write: 3,10
